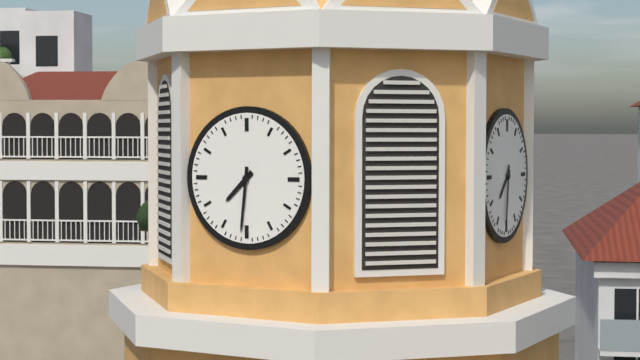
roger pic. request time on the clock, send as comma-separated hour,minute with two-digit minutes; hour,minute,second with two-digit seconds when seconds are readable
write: 7,31
